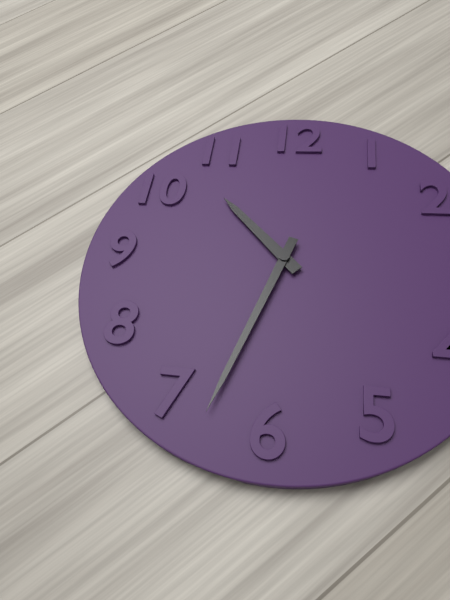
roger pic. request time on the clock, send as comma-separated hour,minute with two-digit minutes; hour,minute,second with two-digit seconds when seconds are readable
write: 10,33
